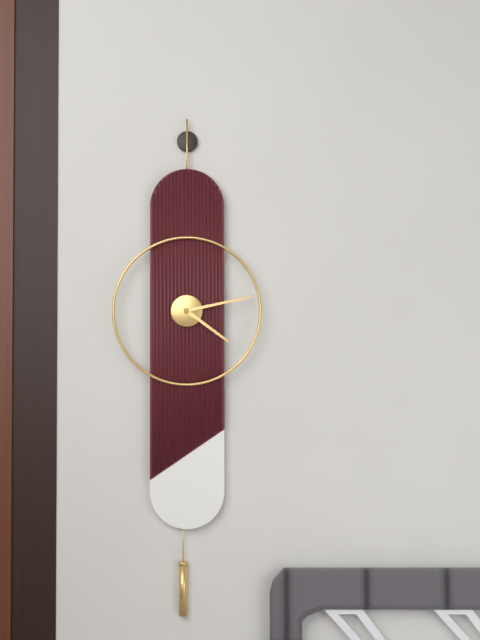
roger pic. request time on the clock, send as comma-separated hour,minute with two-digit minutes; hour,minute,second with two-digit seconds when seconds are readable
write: 4,13
